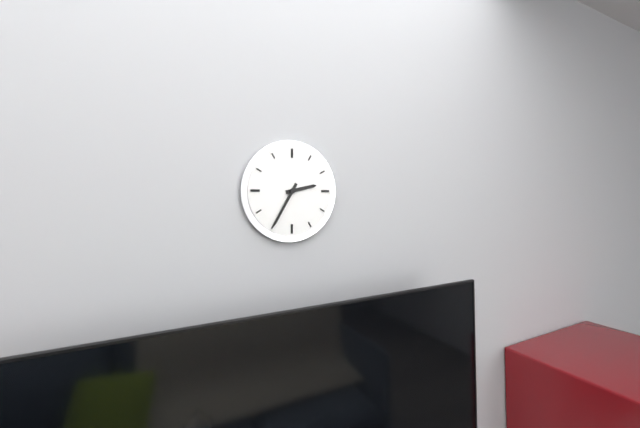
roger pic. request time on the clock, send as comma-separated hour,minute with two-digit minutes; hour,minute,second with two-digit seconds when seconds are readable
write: 2,35
